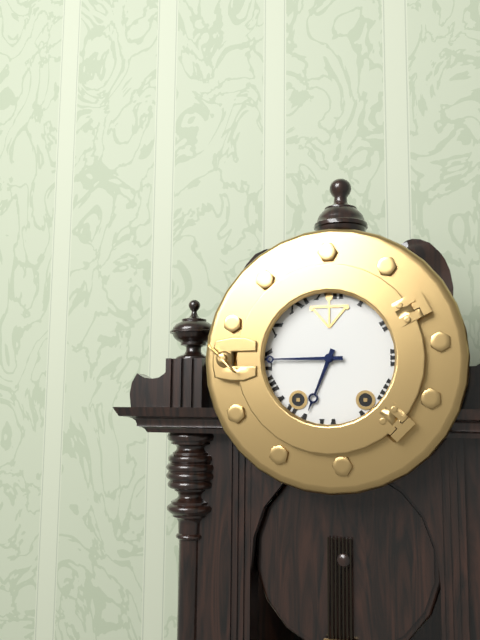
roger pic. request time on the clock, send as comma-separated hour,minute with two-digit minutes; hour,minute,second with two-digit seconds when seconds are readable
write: 6,45
